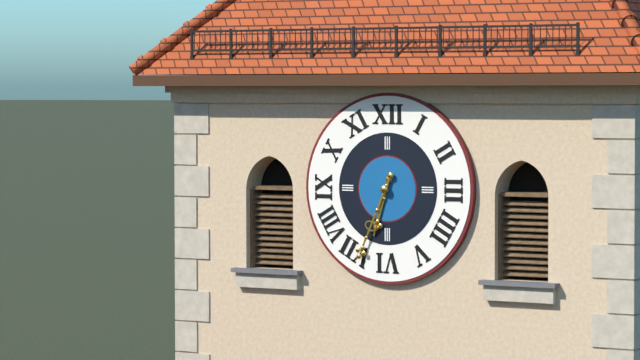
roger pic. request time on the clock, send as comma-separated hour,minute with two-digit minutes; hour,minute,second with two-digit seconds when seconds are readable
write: 6,34
